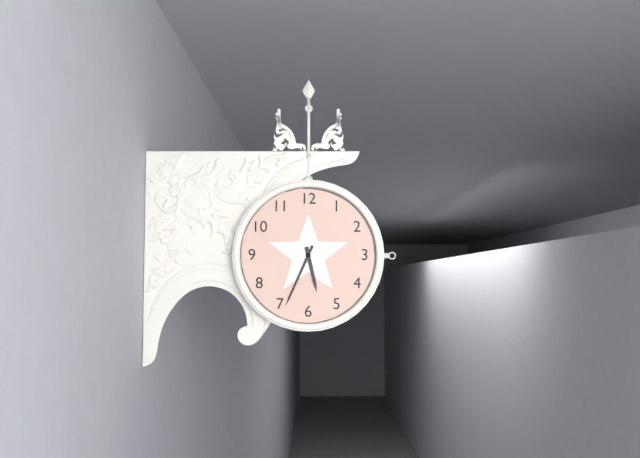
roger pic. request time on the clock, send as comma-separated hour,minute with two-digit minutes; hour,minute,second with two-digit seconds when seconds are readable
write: 5,34
